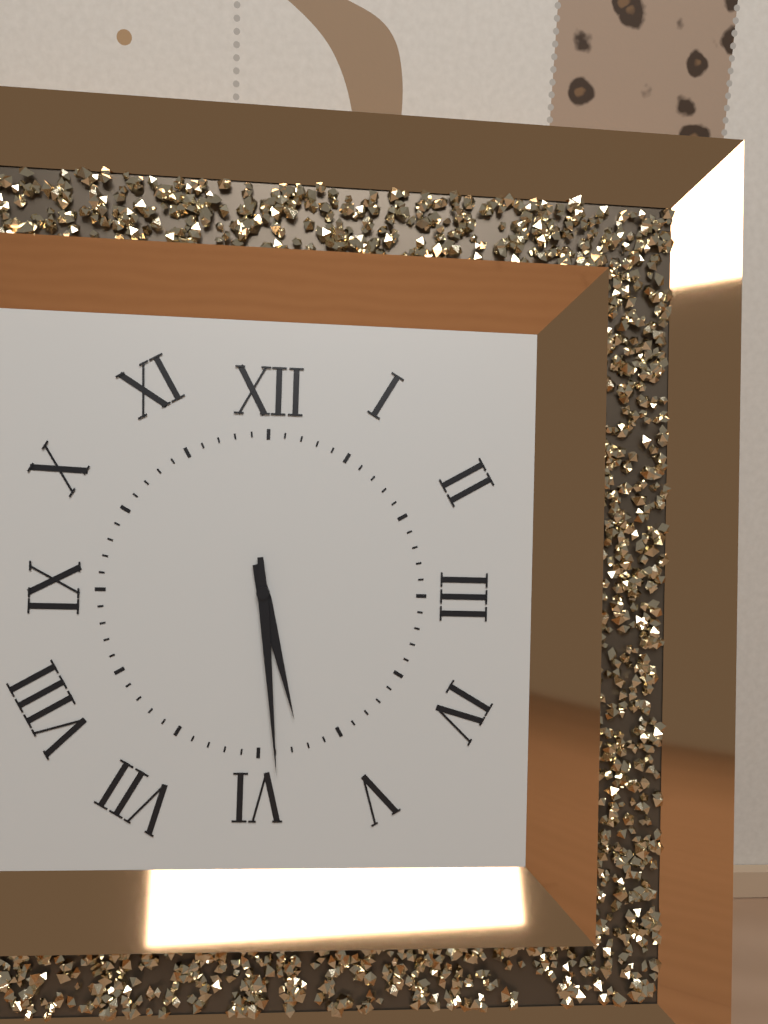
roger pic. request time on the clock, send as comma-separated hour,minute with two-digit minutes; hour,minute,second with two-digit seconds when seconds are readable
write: 5,29
